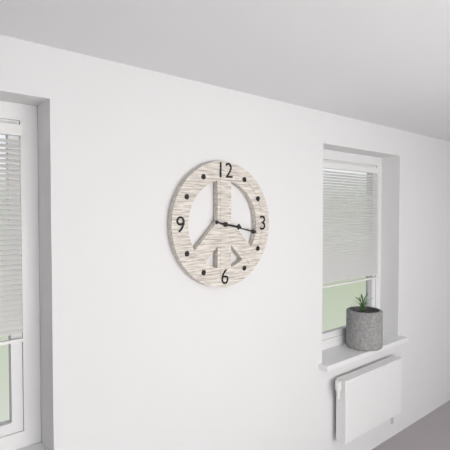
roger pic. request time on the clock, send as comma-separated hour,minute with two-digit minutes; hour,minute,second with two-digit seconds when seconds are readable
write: 3,17
